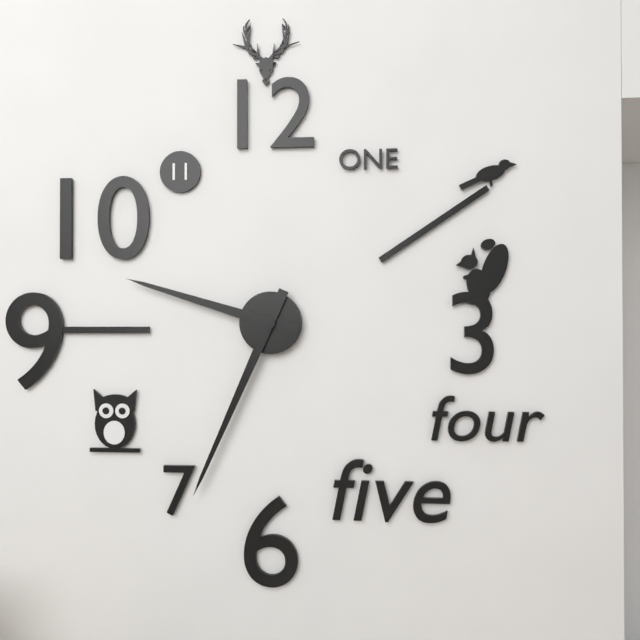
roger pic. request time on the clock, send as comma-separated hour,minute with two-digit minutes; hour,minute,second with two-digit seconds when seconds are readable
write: 9,34
